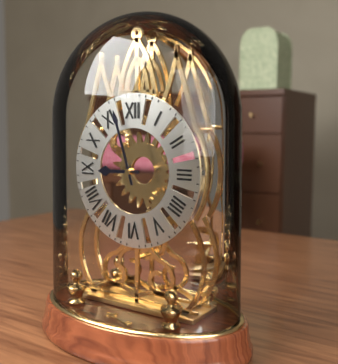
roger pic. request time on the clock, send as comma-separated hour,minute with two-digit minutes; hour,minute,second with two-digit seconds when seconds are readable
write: 8,57
